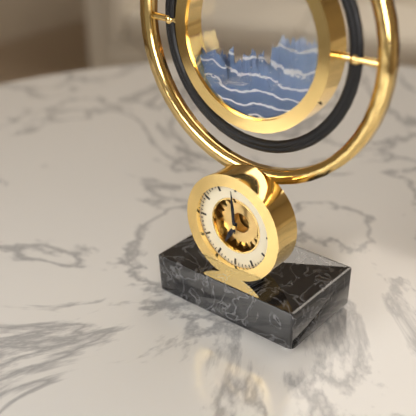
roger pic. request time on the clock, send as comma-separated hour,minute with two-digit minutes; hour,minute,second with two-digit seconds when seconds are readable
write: 6,59
